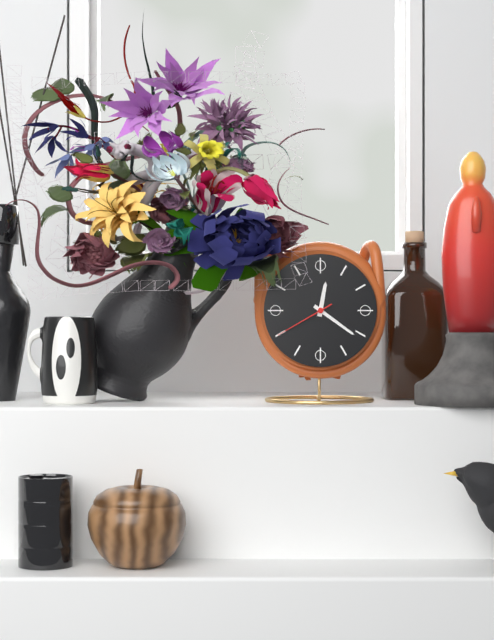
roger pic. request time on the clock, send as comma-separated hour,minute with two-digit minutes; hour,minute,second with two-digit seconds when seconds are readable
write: 12,21,40
